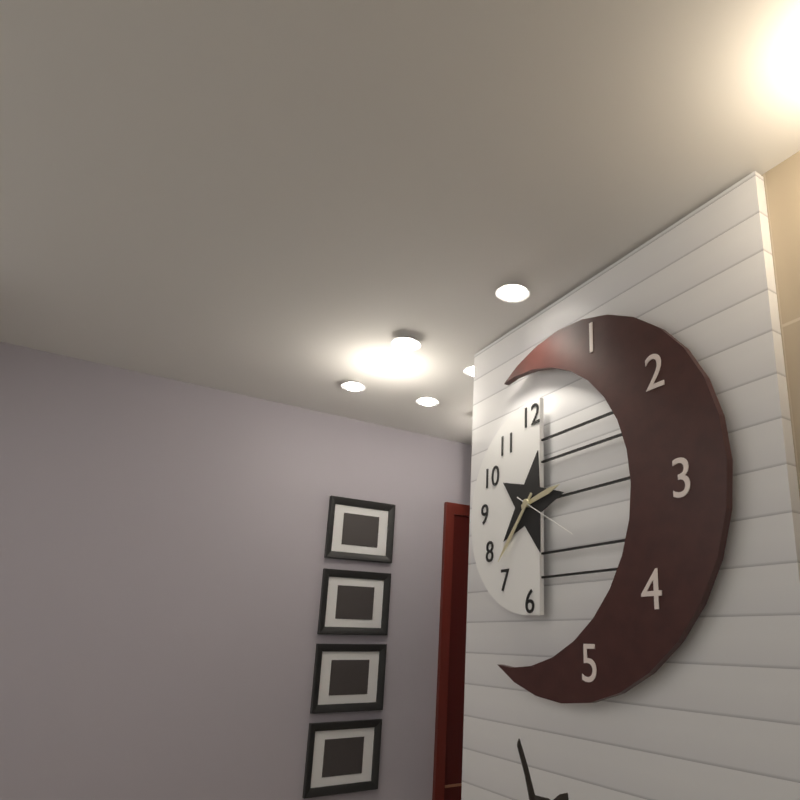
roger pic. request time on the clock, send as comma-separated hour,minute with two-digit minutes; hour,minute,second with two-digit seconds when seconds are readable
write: 2,37
